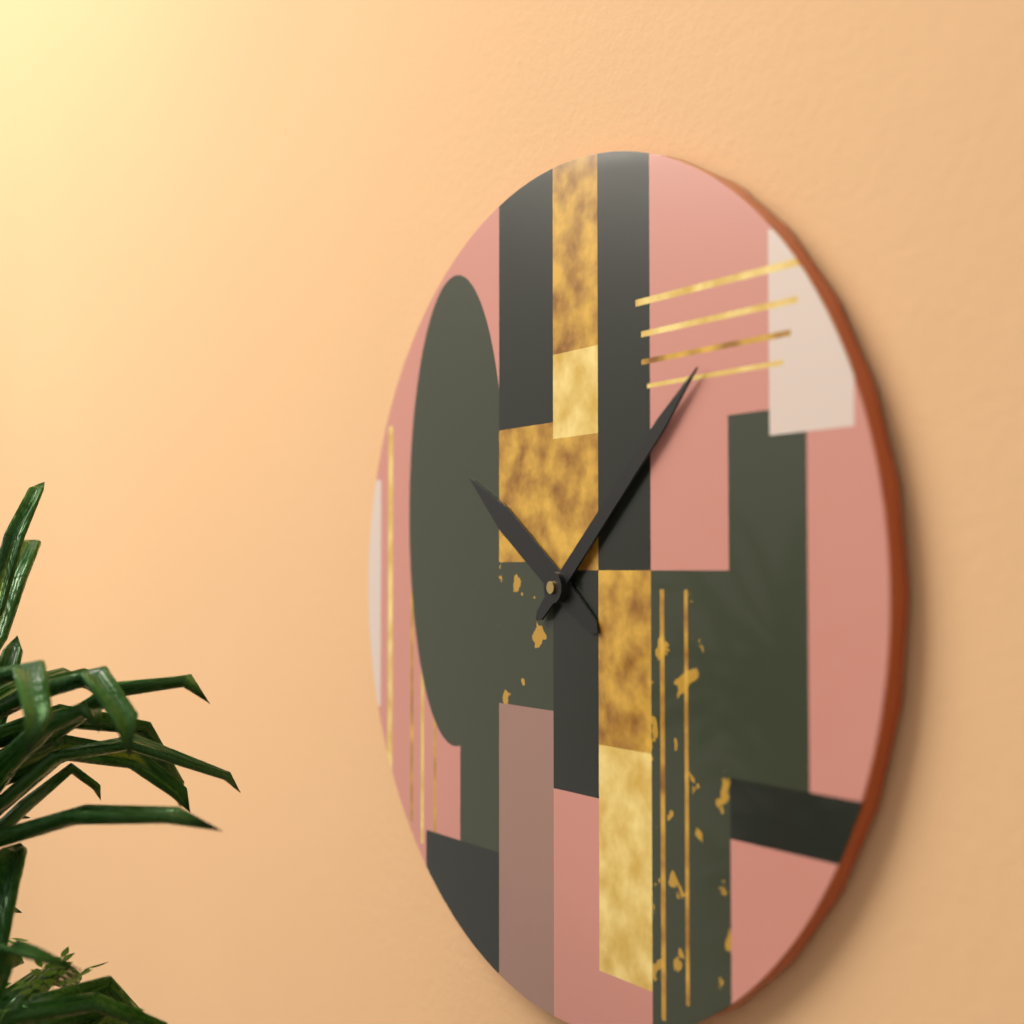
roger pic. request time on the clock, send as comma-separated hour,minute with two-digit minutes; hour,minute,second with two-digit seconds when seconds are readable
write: 10,08
